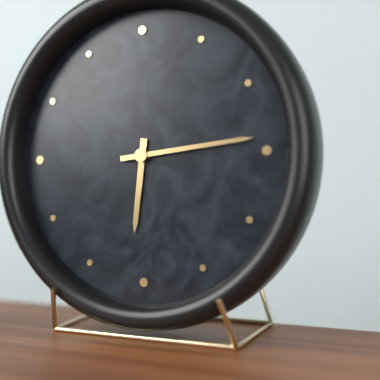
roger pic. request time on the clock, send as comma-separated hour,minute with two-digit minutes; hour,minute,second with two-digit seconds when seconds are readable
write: 6,14
